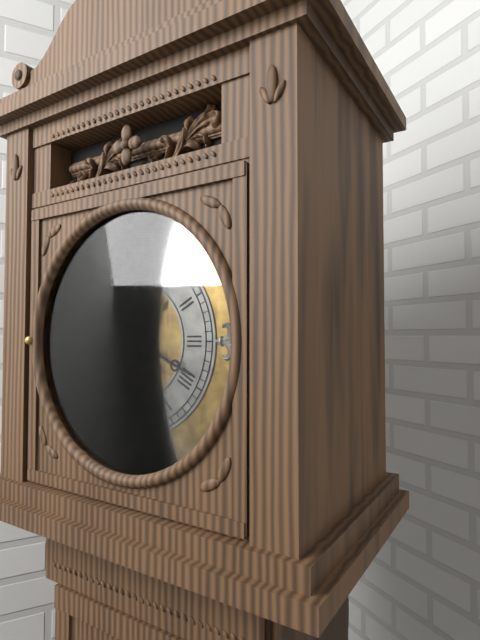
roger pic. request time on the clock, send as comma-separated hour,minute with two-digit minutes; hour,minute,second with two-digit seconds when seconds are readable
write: 1,19
